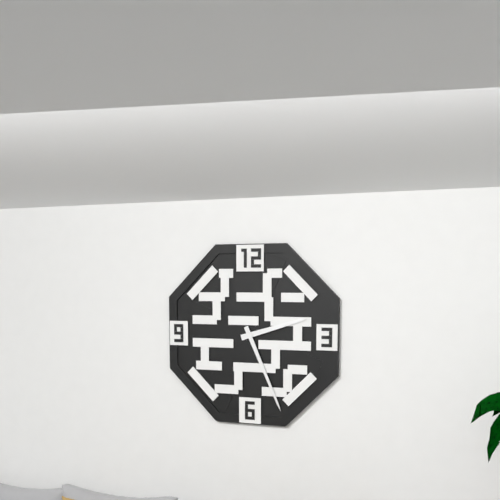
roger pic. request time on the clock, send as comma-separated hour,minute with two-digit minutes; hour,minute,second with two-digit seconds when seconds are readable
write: 2,26
